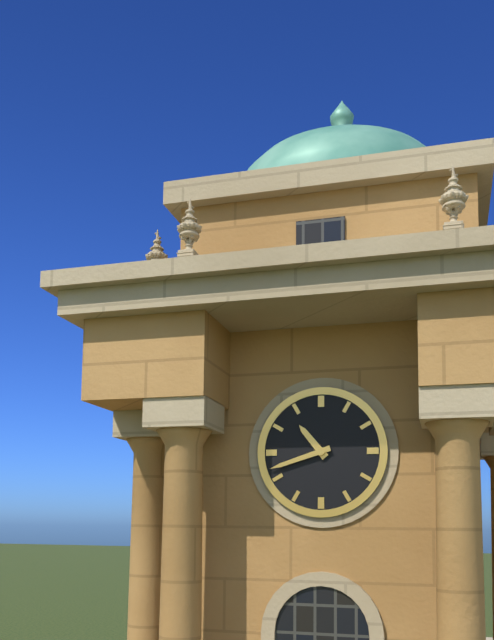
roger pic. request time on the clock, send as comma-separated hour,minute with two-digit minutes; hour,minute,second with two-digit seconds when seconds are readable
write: 10,42
